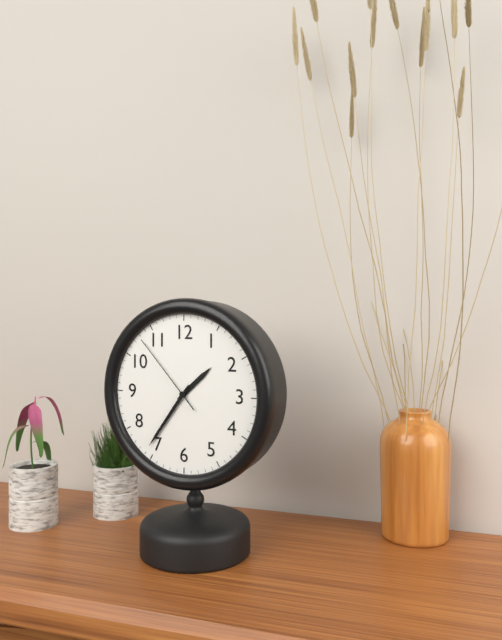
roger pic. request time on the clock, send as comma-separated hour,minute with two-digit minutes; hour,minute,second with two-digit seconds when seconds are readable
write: 1,36,53
